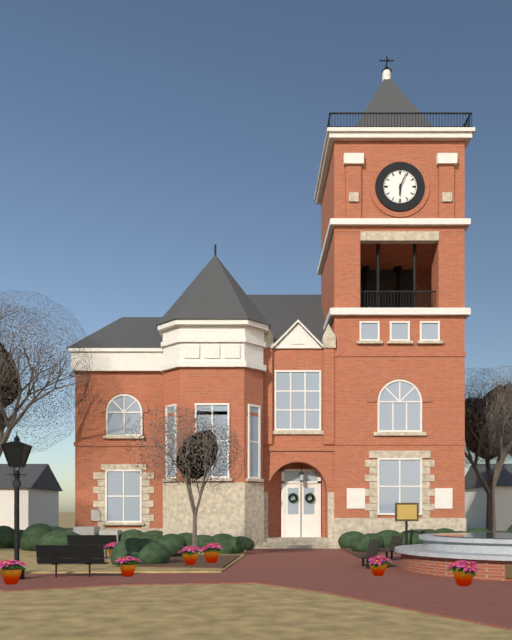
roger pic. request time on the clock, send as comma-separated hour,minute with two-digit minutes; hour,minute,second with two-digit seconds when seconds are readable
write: 6,04
